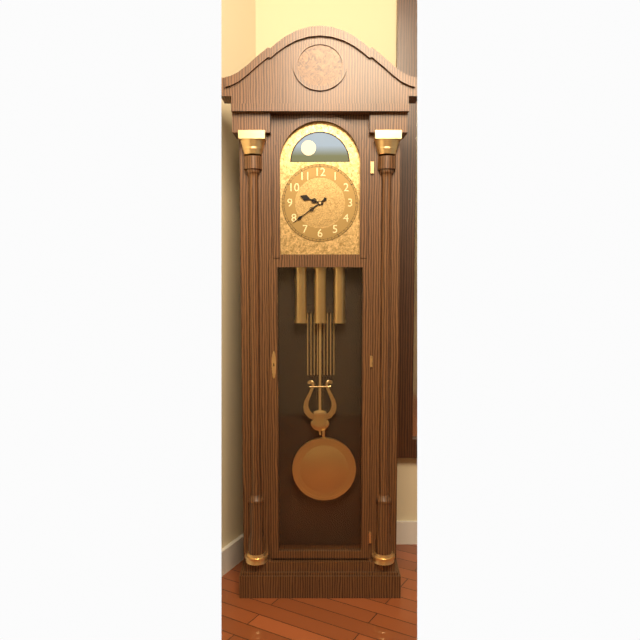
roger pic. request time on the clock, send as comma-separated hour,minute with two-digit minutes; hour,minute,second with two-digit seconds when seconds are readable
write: 9,39
